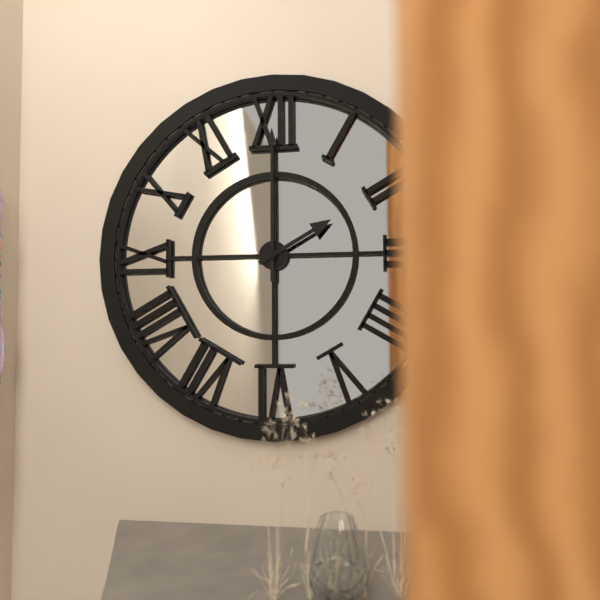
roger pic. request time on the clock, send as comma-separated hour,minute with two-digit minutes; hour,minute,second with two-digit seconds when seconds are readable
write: 2,00
